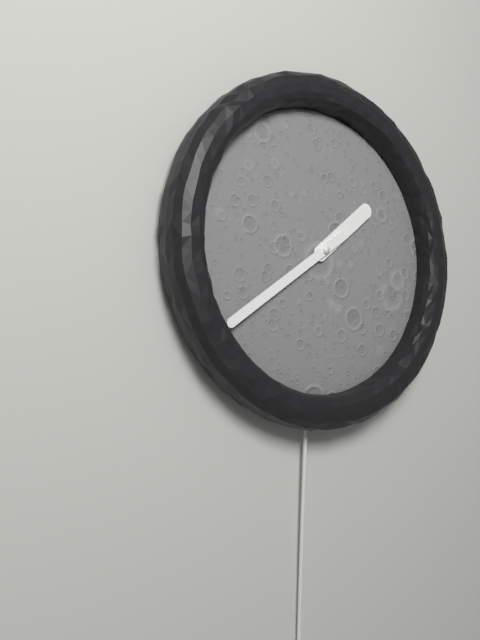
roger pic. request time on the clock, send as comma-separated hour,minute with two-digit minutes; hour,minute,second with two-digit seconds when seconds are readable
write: 1,39
